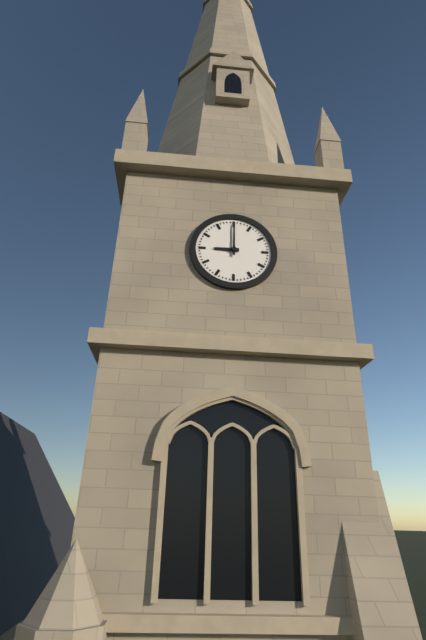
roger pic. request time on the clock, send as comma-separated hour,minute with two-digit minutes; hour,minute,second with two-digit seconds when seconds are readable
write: 9,00
